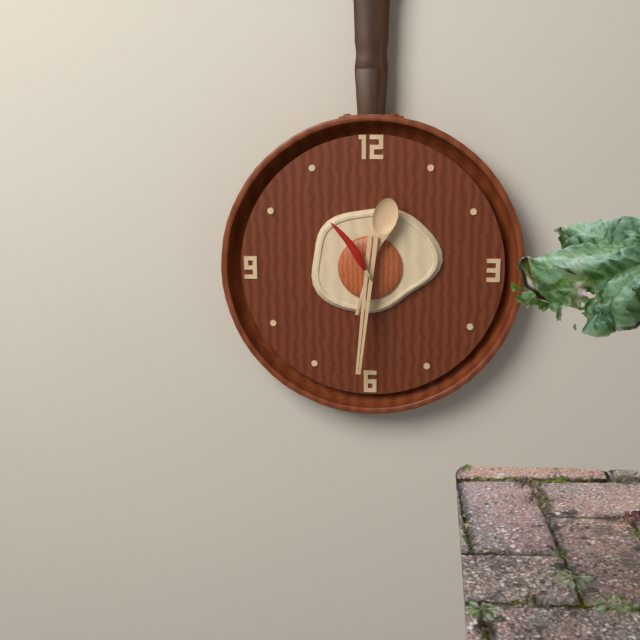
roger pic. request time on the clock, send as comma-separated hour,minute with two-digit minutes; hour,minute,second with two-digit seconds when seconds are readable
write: 12,31,54
